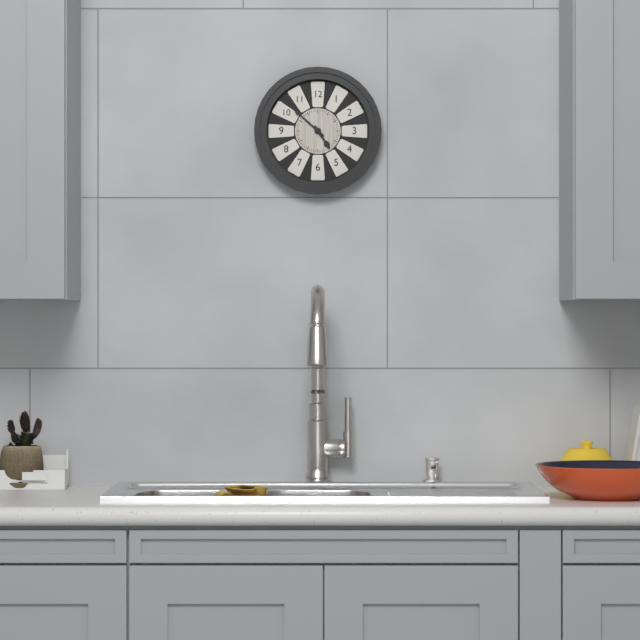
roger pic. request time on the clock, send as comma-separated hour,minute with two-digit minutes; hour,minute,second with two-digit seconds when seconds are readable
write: 4,52
